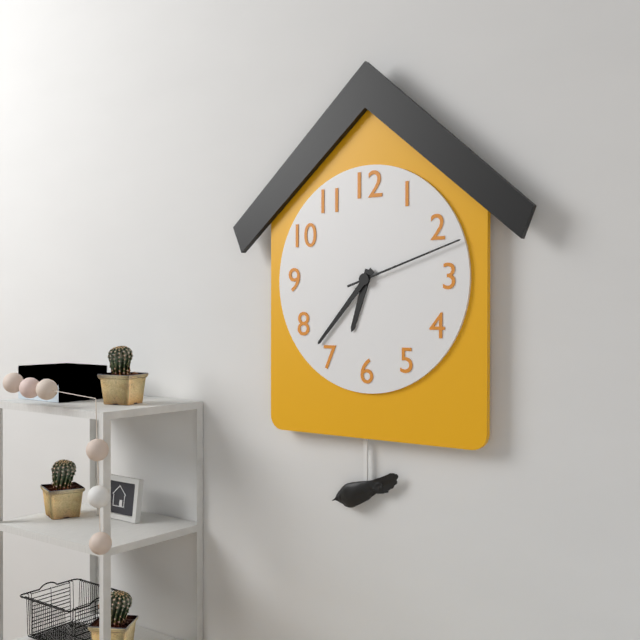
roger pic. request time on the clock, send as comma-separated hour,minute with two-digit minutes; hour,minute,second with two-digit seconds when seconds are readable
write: 6,37,12
